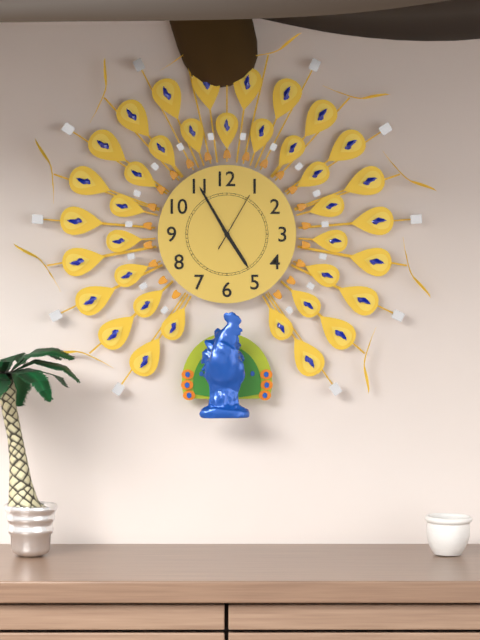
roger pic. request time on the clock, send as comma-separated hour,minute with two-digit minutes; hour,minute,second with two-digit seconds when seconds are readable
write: 4,55,05
